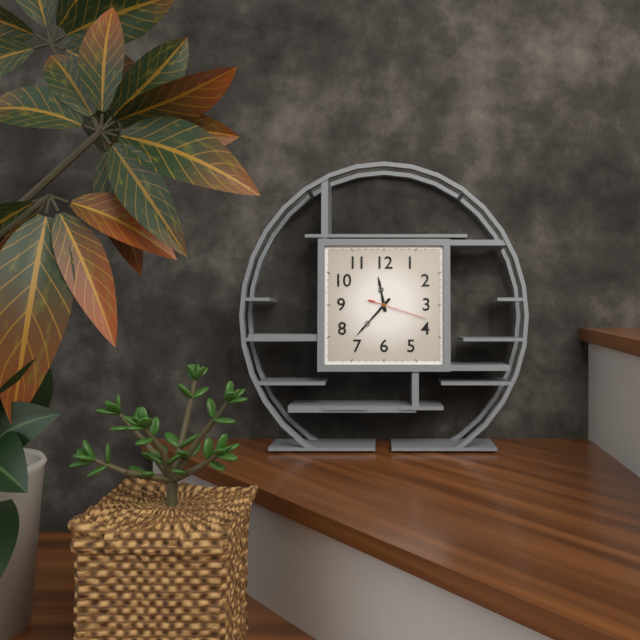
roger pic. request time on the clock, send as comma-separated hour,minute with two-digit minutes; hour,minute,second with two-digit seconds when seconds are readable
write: 11,37,18
